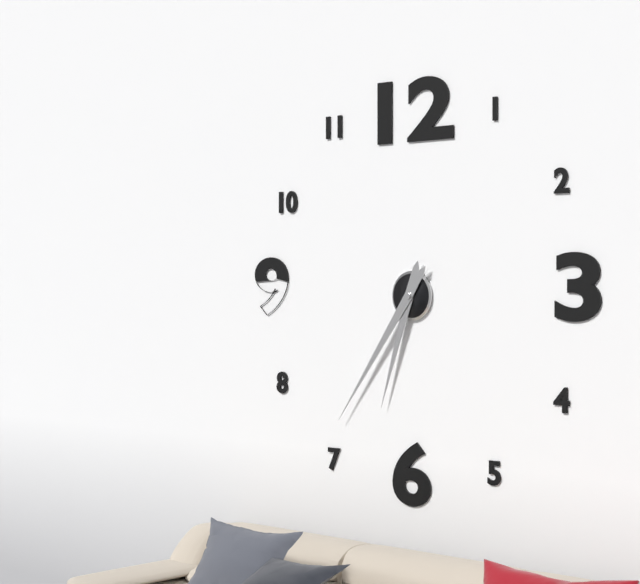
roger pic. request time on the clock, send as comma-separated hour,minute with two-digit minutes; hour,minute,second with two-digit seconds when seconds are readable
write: 6,36
